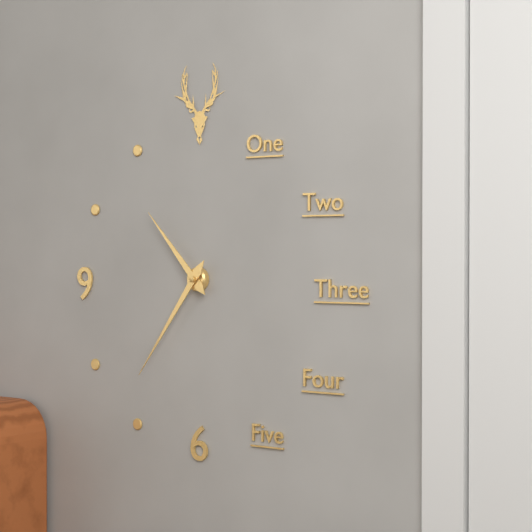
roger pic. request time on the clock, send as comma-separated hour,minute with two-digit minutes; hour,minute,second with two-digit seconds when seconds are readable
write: 10,36
